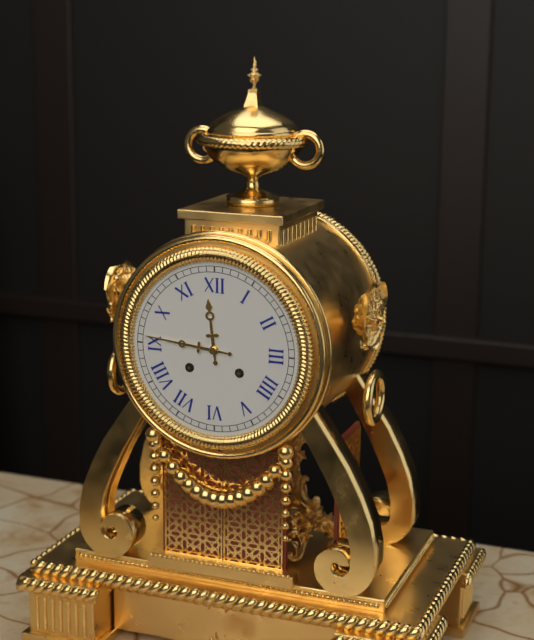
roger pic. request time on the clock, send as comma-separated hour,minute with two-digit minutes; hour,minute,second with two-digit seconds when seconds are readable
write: 11,46
